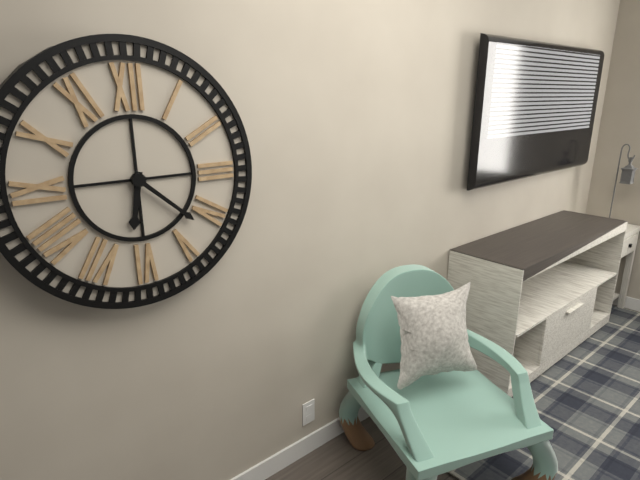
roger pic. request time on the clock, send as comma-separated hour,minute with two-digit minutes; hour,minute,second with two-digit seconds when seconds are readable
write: 6,22
